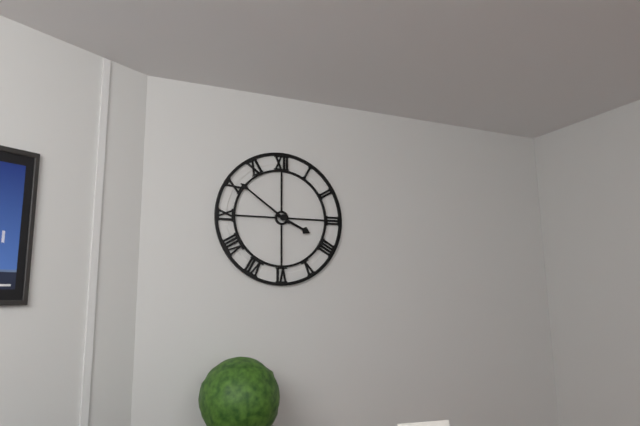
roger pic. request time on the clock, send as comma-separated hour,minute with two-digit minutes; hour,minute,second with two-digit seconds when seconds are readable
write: 3,51
